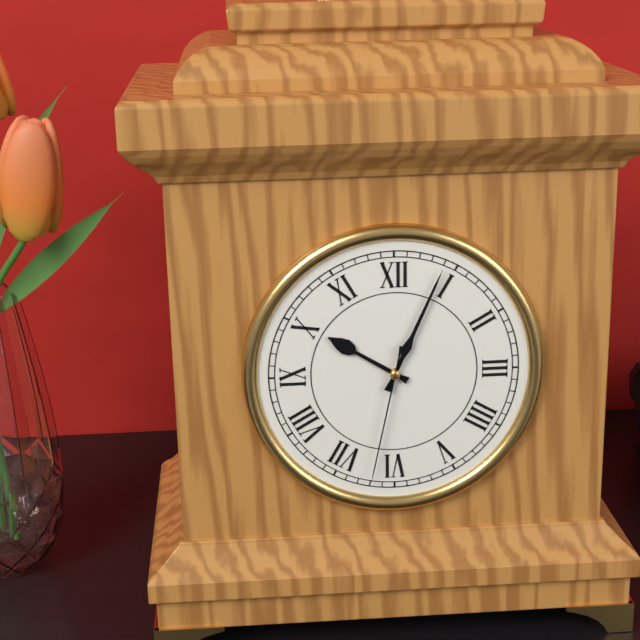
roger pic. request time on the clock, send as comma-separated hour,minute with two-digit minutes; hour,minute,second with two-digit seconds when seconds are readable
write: 10,04,32
